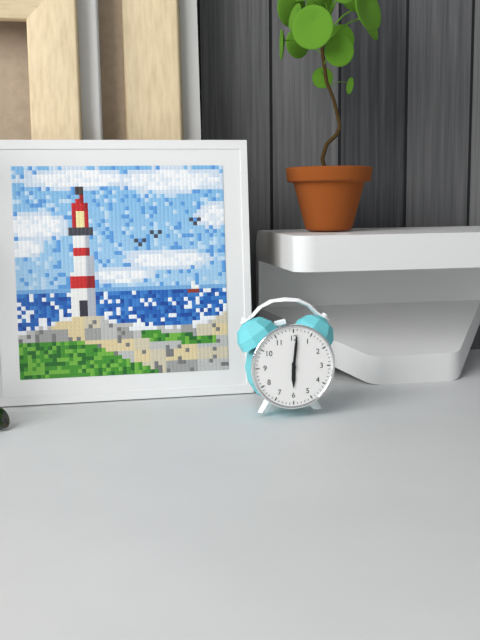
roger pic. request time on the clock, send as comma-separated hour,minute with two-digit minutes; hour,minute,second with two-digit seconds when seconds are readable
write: 6,01
